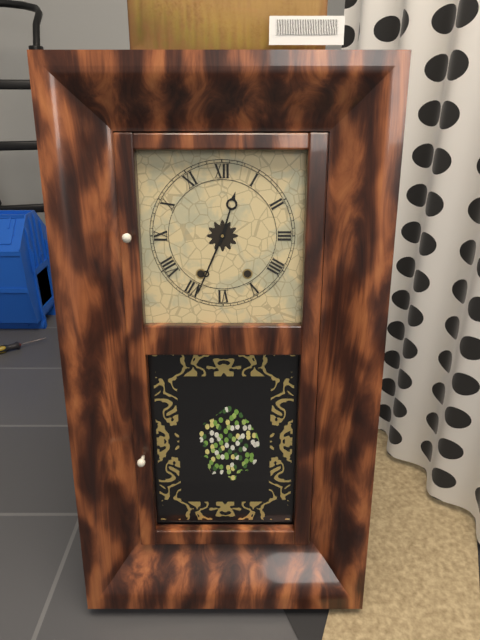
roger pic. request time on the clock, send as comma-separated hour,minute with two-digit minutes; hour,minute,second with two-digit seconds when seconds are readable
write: 12,34
